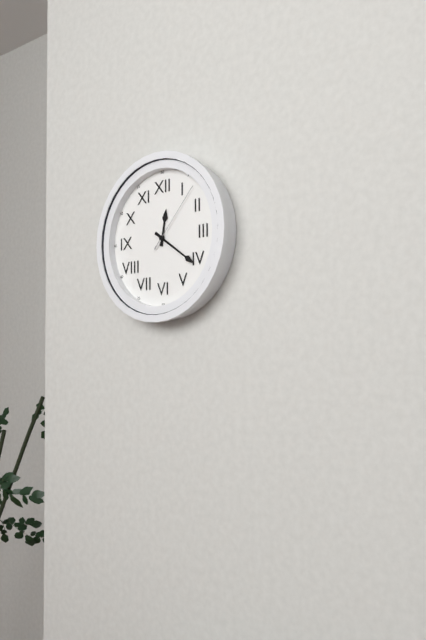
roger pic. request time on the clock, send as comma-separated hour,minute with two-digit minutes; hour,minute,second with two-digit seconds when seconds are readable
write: 12,21,07
